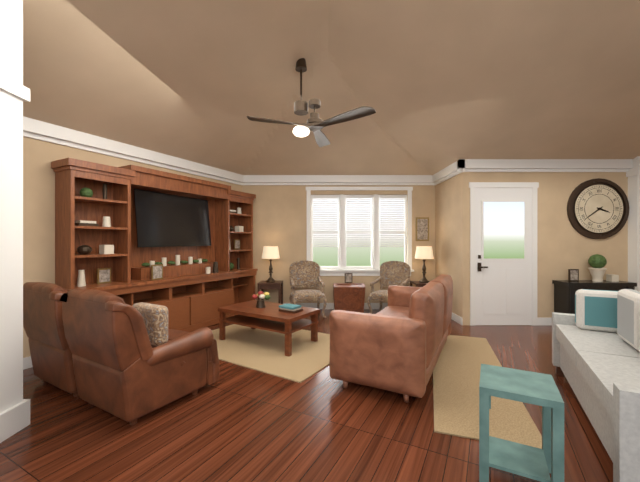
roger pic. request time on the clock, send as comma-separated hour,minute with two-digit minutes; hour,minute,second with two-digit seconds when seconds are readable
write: 3,39
